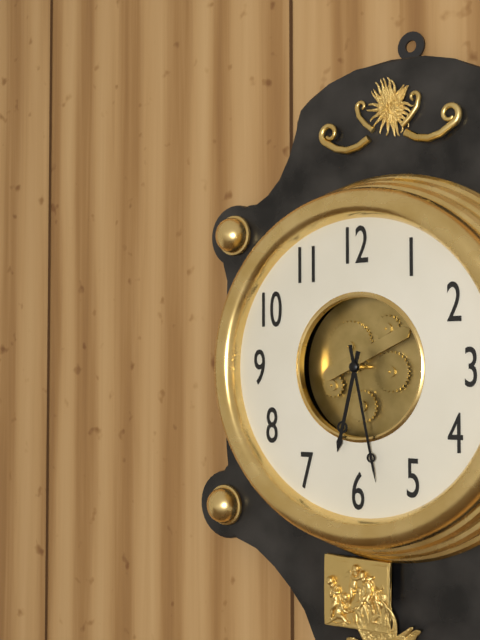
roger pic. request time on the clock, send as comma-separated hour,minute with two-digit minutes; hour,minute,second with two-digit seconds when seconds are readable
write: 6,28
